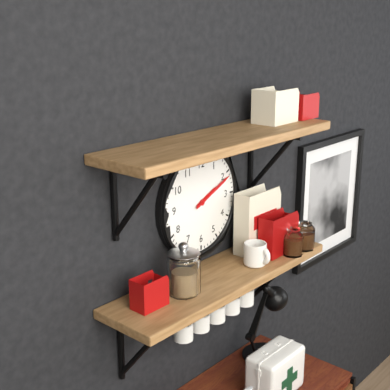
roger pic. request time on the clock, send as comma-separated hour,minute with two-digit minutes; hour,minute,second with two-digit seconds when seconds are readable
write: 2,11
